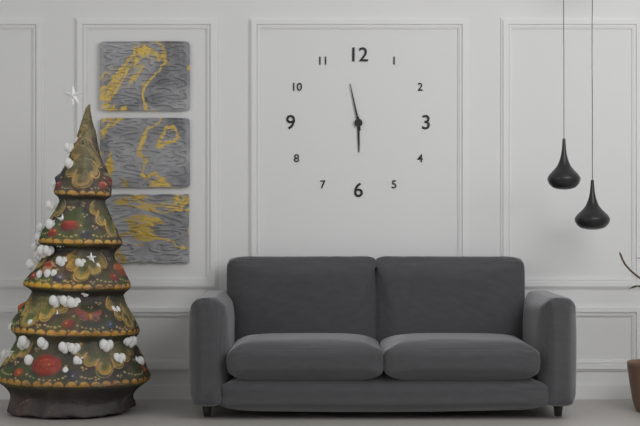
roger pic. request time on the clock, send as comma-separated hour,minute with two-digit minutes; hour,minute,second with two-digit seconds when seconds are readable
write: 5,58
